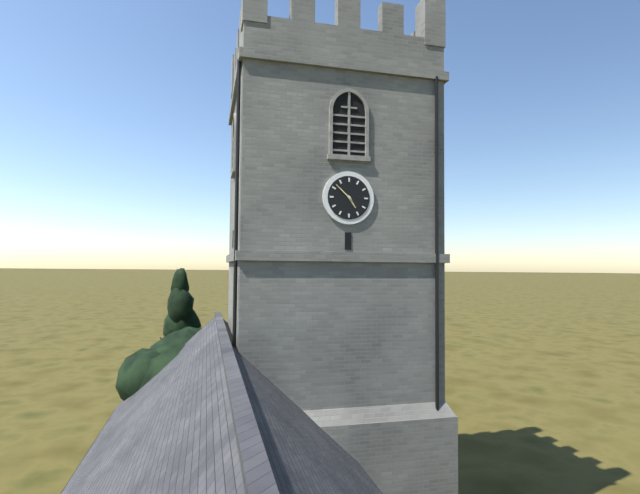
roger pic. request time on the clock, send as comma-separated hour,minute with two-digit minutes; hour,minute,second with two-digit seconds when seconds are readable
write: 4,52
